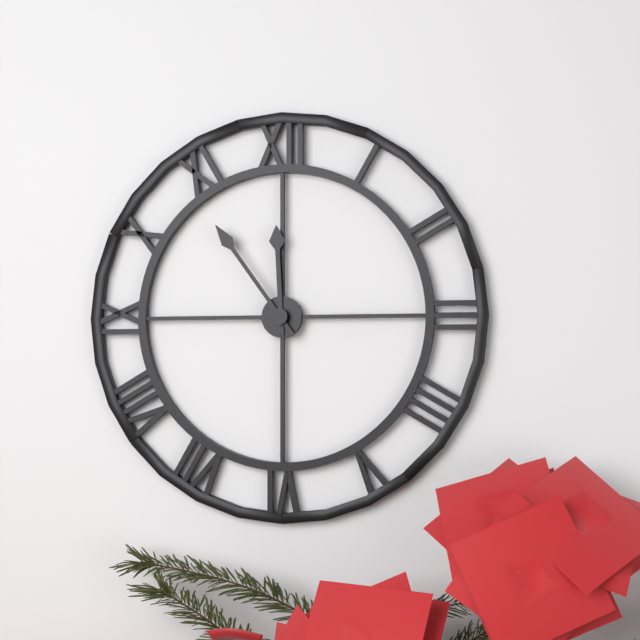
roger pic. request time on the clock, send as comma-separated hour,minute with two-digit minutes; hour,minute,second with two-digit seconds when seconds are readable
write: 11,54
